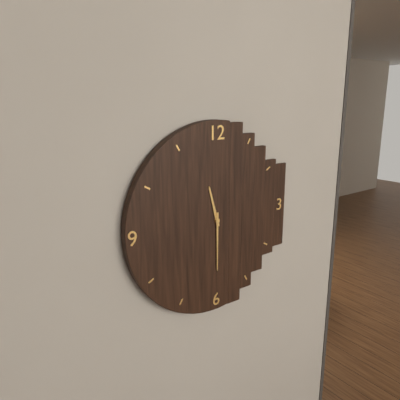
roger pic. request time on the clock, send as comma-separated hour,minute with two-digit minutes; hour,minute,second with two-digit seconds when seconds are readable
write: 11,30
